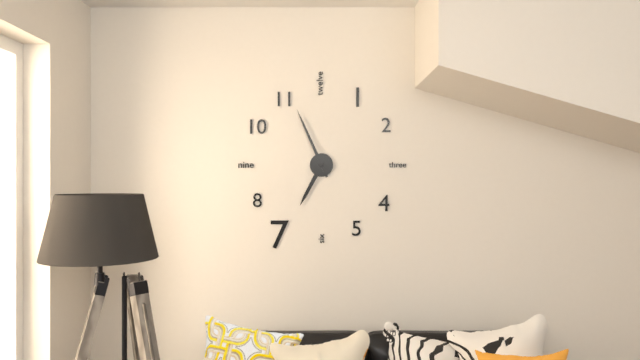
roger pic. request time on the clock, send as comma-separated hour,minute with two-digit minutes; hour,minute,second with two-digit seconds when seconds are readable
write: 6,56
